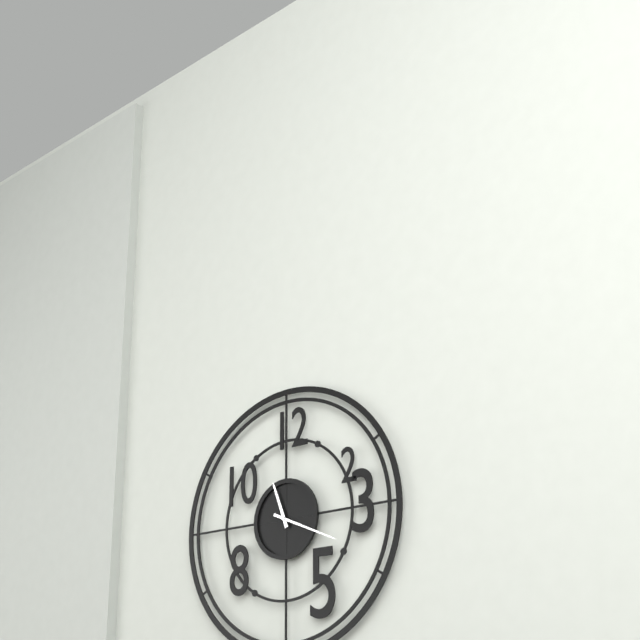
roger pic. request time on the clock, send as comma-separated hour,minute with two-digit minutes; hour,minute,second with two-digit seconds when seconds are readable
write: 11,19
